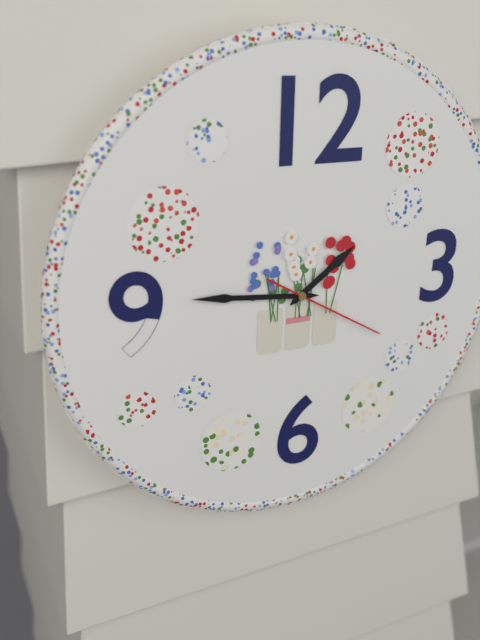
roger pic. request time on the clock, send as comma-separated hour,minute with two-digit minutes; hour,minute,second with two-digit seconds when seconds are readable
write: 1,46,20
